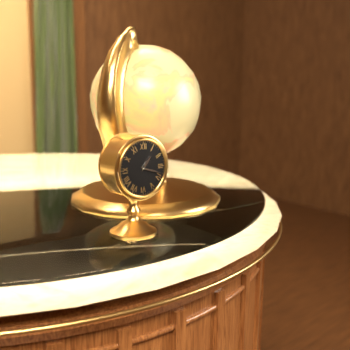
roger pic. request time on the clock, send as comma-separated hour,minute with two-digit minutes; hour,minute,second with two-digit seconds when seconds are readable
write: 1,18
